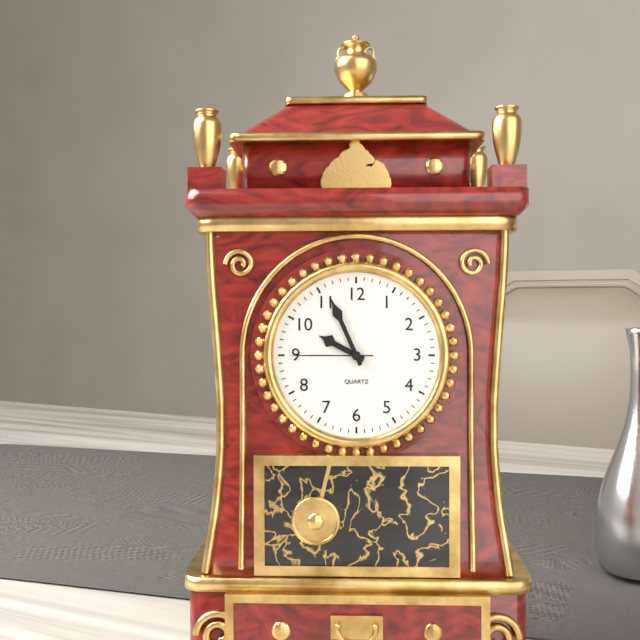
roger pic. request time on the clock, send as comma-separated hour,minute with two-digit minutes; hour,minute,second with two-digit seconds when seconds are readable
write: 9,56,45
